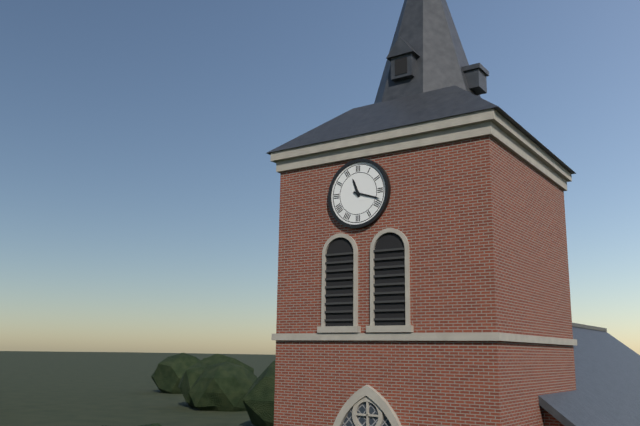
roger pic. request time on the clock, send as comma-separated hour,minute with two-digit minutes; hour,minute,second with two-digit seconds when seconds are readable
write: 11,18
